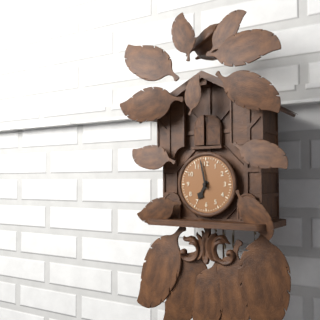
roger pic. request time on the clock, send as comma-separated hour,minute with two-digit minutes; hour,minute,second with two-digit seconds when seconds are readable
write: 6,58
